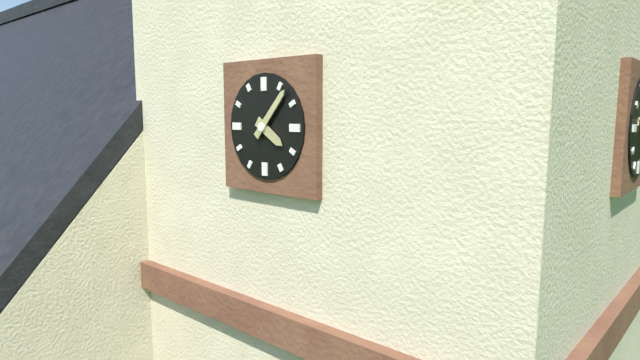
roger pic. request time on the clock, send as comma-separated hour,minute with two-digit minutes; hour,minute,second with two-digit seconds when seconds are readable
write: 4,07
